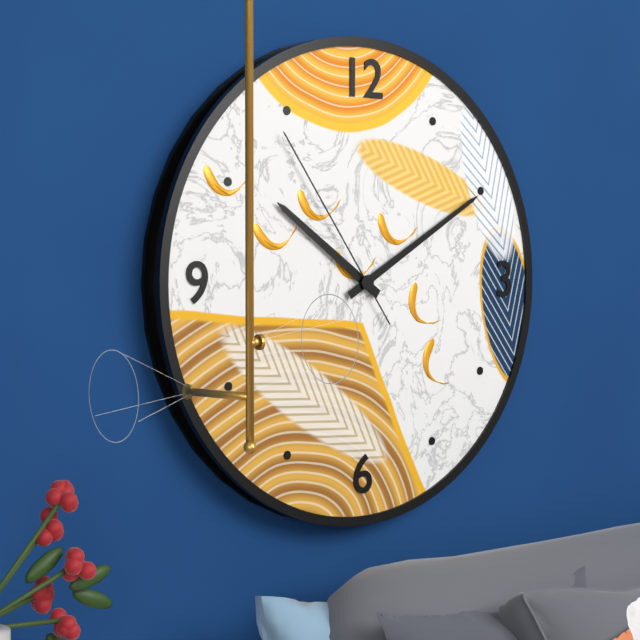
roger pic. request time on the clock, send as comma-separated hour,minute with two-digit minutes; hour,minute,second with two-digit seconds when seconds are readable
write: 10,10,54
